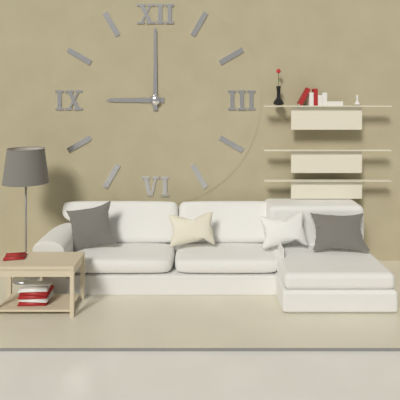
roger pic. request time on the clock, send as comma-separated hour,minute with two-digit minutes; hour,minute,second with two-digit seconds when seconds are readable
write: 9,00
